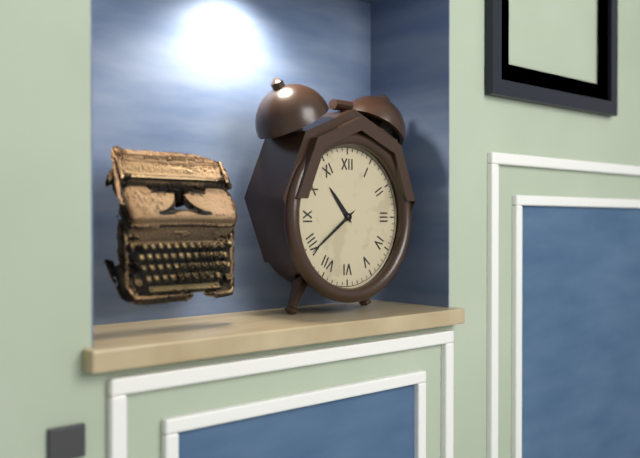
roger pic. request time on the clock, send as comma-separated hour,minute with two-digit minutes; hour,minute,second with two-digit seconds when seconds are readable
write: 10,39
